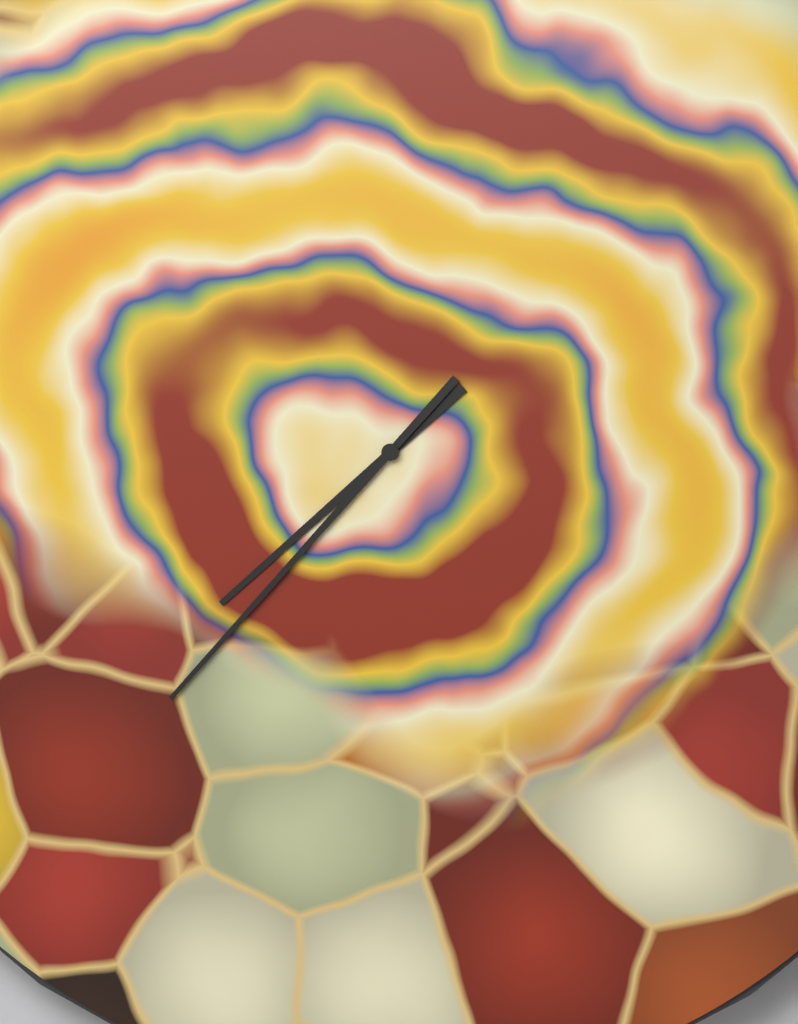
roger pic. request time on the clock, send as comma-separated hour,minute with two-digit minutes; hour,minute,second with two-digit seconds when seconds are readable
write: 7,37
